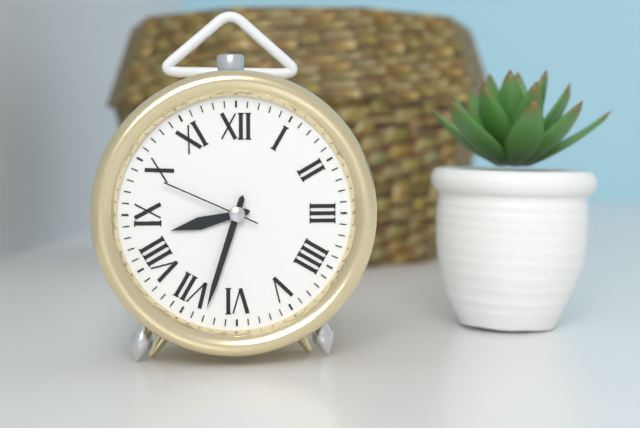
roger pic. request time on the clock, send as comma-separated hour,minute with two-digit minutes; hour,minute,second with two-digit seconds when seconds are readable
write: 8,33,49
